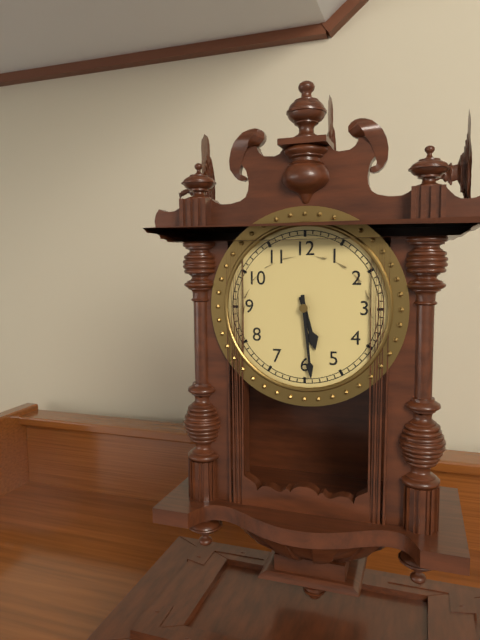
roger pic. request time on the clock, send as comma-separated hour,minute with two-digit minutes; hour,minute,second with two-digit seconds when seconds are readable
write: 5,29
